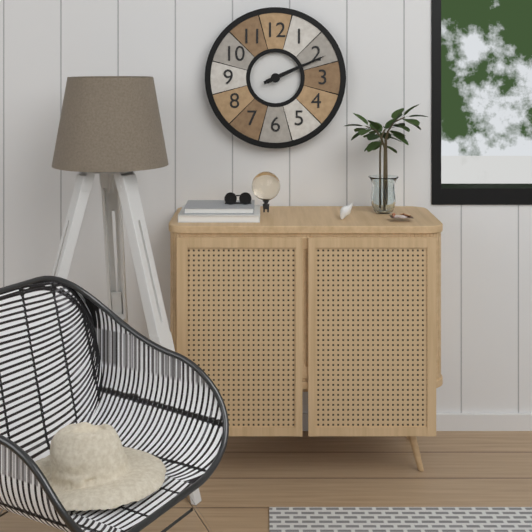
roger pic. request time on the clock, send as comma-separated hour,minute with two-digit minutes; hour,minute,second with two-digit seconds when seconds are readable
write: 2,11
